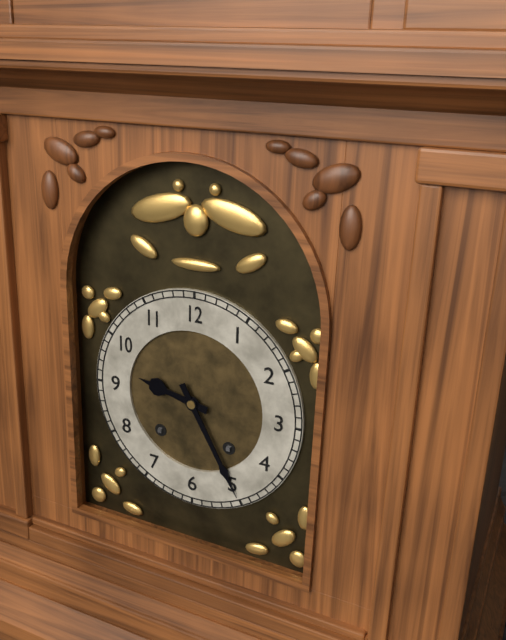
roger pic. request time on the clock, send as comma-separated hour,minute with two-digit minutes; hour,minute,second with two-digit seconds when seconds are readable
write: 9,25
